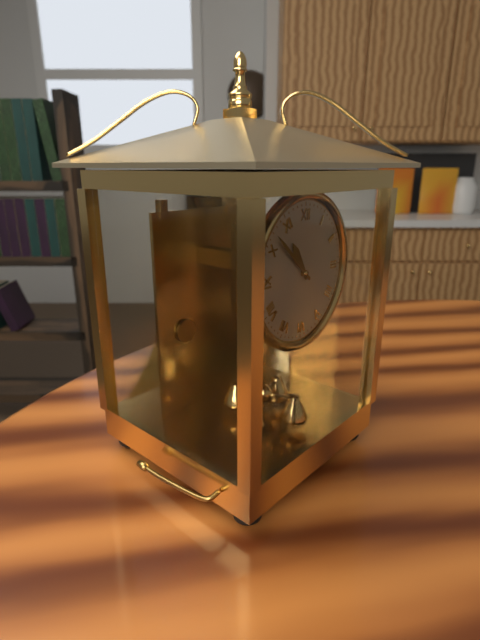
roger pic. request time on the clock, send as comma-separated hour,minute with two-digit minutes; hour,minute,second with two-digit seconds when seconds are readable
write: 10,52
